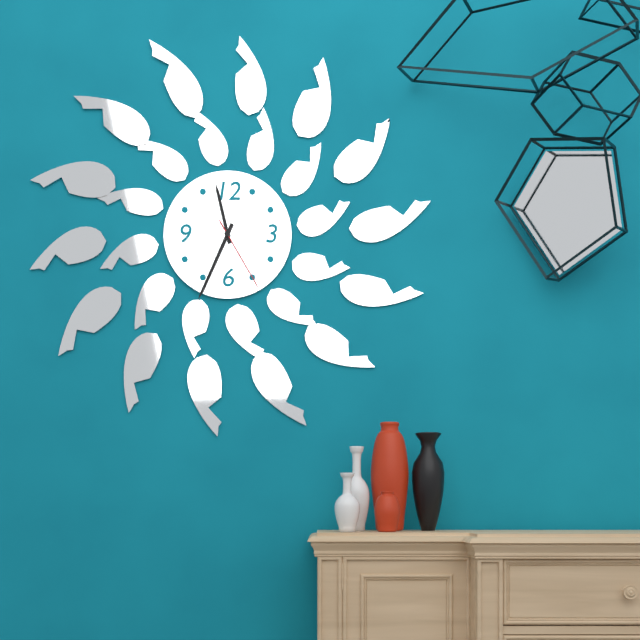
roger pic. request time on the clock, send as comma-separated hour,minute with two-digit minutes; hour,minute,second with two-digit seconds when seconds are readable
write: 11,34,25
